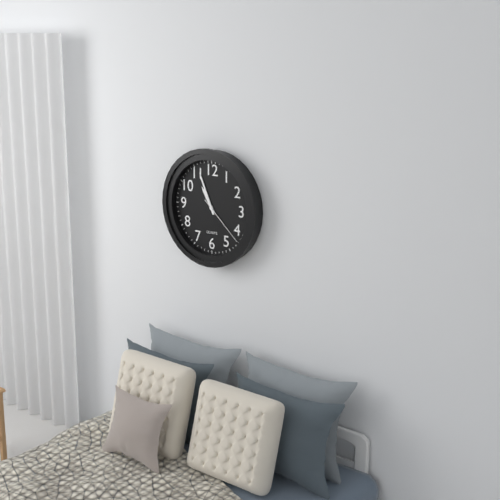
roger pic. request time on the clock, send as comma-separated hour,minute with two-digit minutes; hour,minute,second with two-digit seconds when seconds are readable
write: 10,56,22
